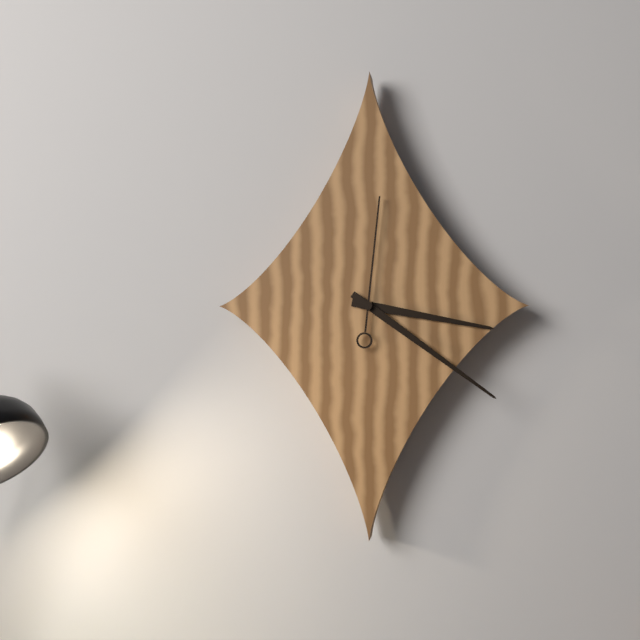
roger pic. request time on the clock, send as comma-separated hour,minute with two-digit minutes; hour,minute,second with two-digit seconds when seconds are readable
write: 3,21,01
